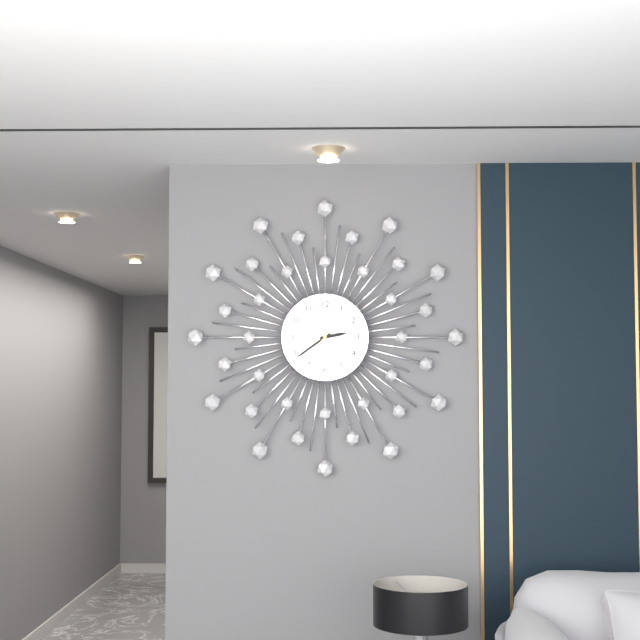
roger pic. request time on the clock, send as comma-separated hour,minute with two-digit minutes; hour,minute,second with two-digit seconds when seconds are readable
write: 2,39
